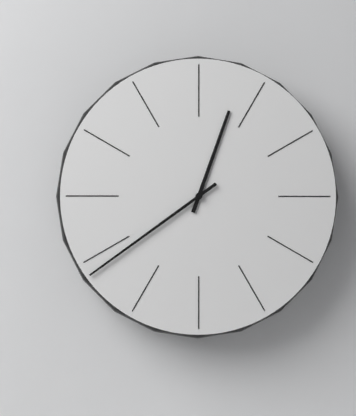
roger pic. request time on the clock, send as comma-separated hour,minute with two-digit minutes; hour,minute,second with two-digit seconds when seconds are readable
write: 12,39
